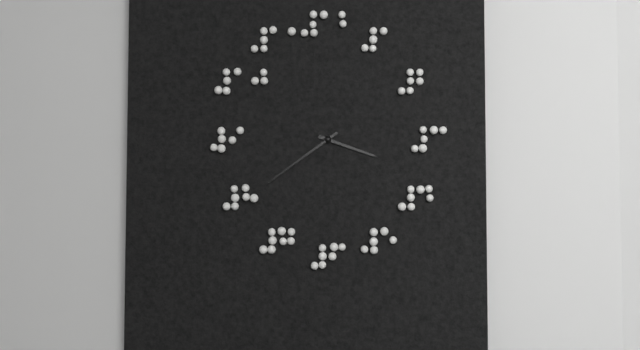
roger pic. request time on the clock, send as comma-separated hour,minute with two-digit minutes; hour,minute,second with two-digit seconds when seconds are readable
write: 3,39
